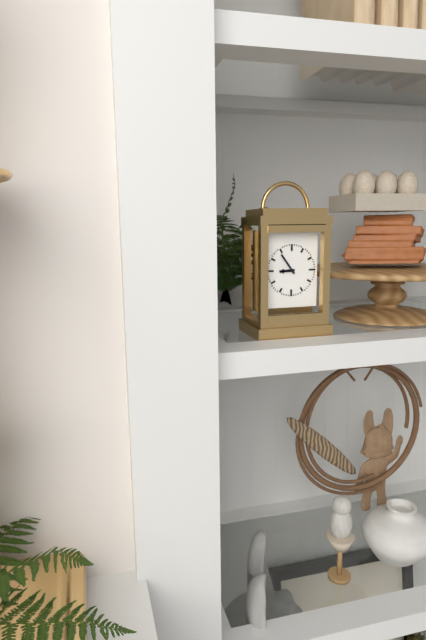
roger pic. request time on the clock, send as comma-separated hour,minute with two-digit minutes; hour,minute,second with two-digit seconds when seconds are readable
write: 8,54
